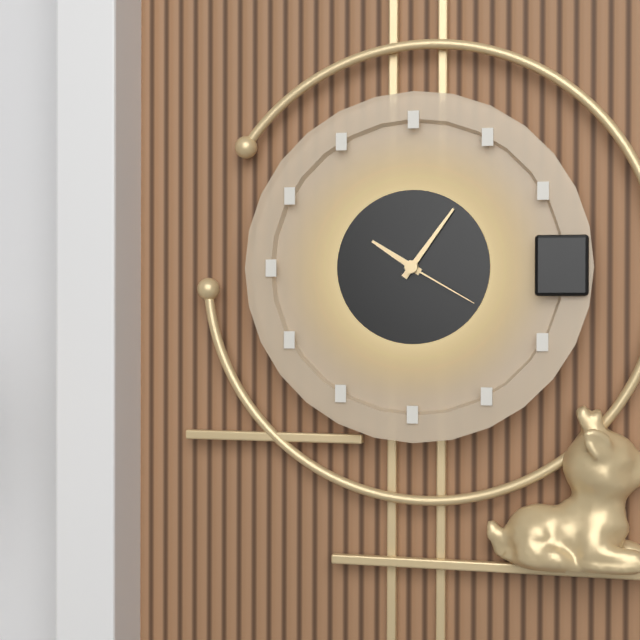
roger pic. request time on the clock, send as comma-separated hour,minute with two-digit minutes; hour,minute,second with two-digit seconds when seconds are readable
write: 10,06,20
